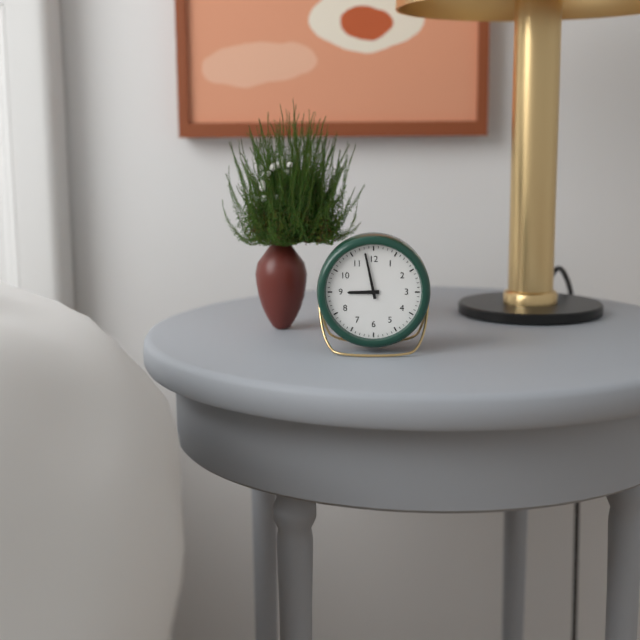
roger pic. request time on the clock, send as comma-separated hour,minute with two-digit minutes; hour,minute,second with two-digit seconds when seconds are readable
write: 8,58
